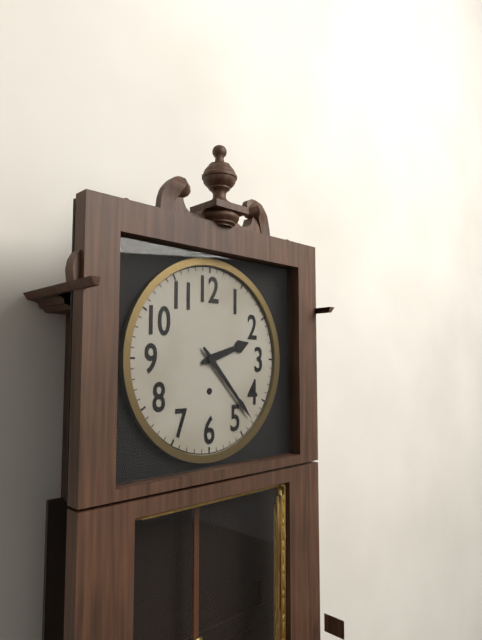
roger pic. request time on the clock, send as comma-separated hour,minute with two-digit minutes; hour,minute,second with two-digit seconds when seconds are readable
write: 2,23
